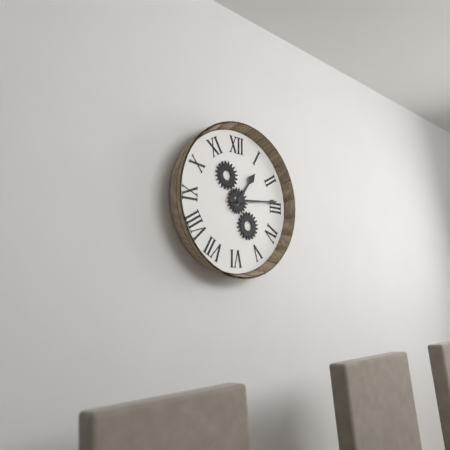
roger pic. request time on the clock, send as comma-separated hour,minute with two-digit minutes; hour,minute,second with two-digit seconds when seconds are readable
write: 1,14
